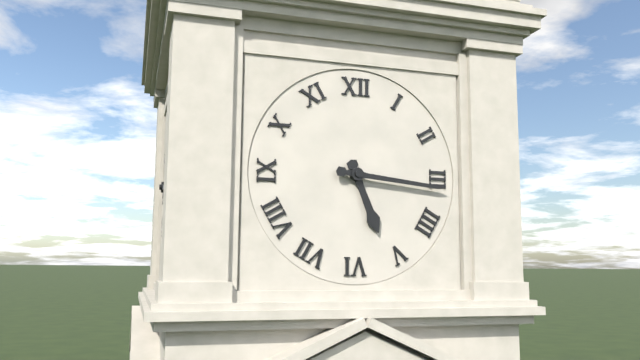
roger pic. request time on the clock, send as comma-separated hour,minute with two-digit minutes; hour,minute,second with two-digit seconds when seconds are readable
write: 5,16
